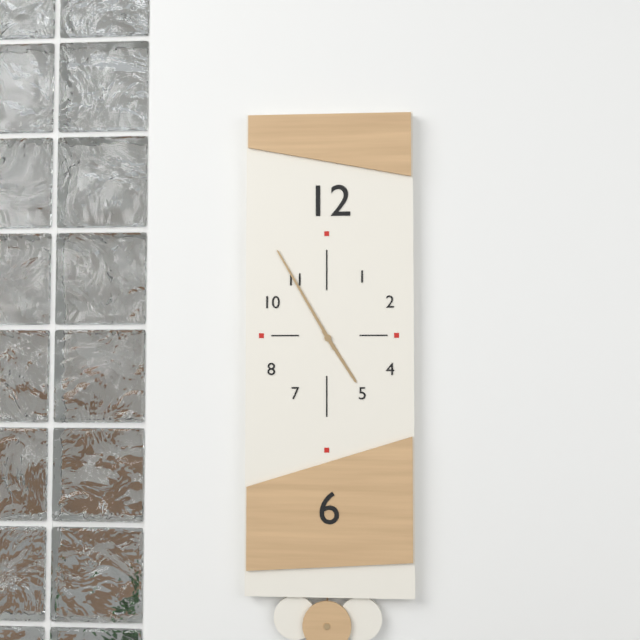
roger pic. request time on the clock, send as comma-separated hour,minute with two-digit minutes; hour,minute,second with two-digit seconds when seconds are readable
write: 4,55
